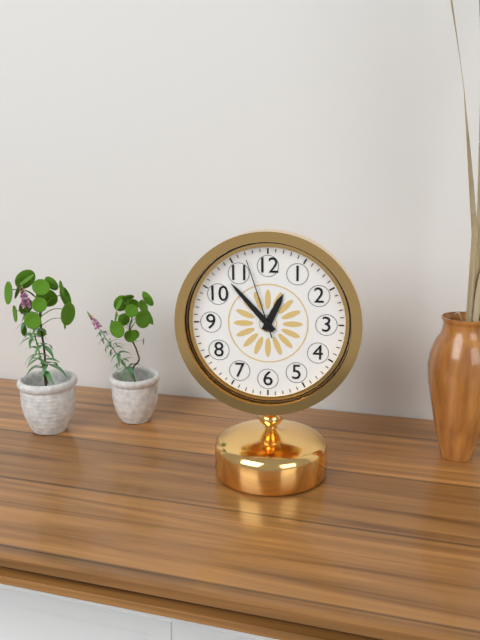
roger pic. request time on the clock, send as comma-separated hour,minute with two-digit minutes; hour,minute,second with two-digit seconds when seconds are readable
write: 12,53,57
